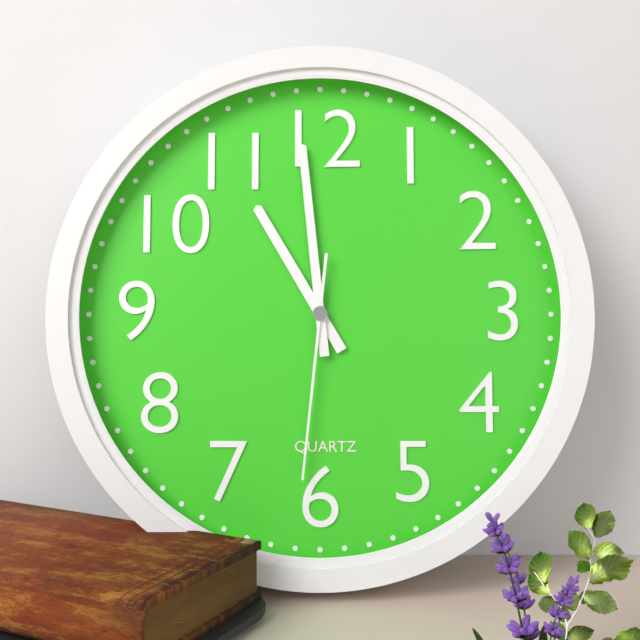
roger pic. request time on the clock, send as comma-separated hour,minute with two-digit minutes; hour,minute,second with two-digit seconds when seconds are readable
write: 10,59,31
